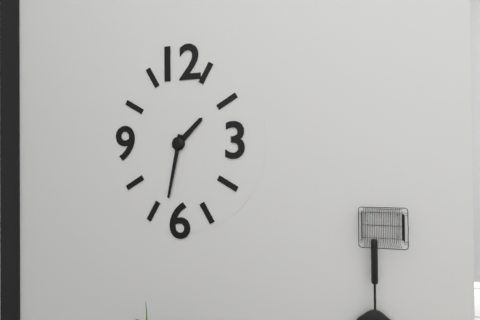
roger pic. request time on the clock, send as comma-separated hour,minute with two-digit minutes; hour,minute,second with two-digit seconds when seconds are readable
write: 1,32
